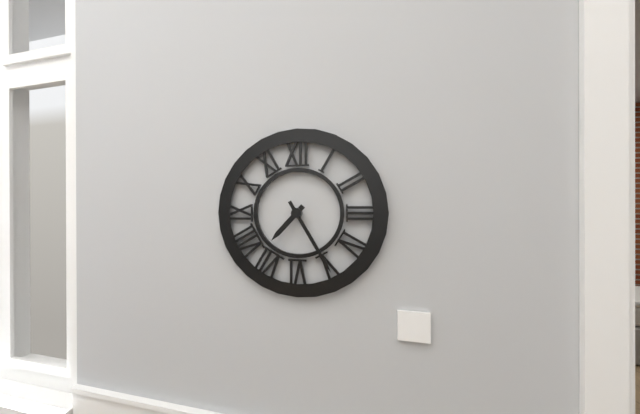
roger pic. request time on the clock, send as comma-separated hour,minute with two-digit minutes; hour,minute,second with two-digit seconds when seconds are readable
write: 7,25
